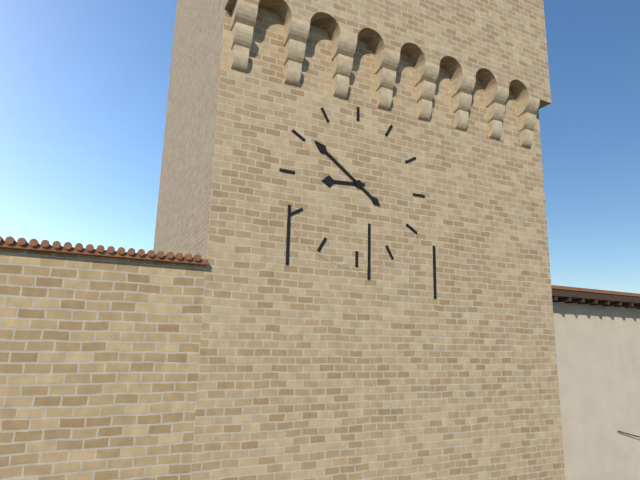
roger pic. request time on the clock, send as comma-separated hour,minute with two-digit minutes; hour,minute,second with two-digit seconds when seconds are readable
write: 8,51
